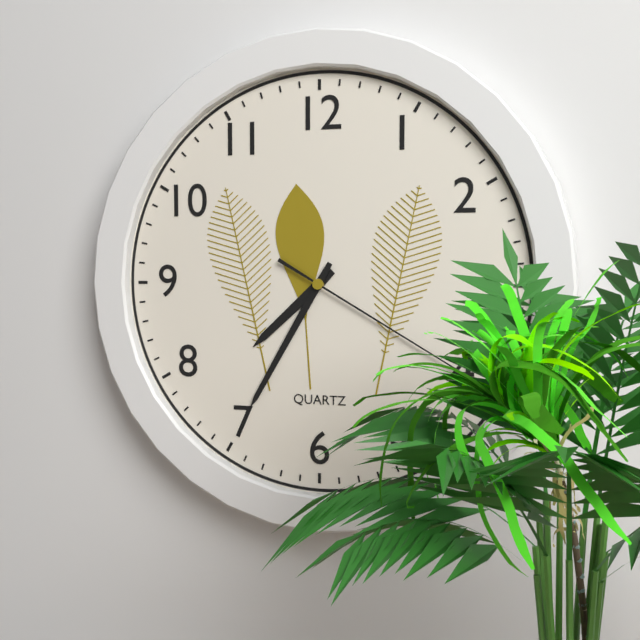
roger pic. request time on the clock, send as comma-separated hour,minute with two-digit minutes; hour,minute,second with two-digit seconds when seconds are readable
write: 7,35,20
